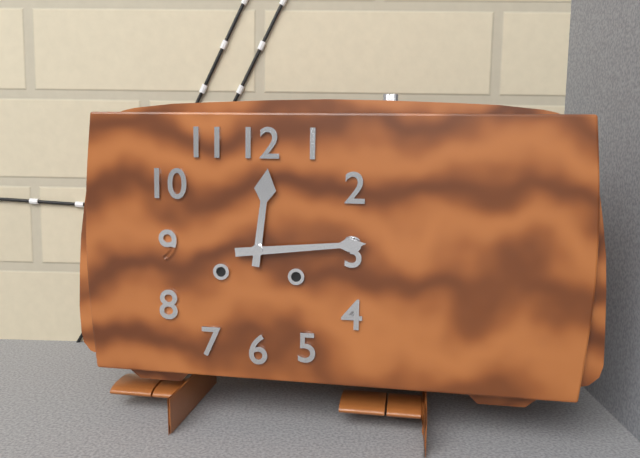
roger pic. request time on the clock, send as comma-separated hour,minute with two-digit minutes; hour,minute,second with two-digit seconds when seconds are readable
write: 12,14
